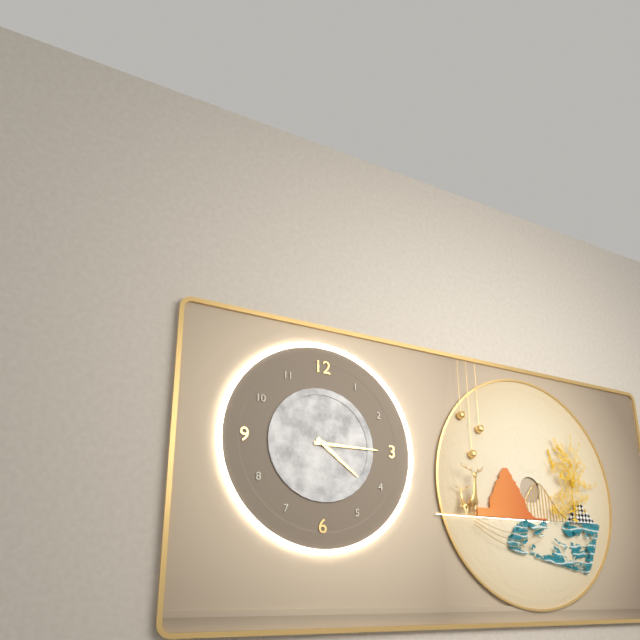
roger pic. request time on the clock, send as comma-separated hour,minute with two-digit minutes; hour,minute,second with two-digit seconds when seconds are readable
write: 4,15
